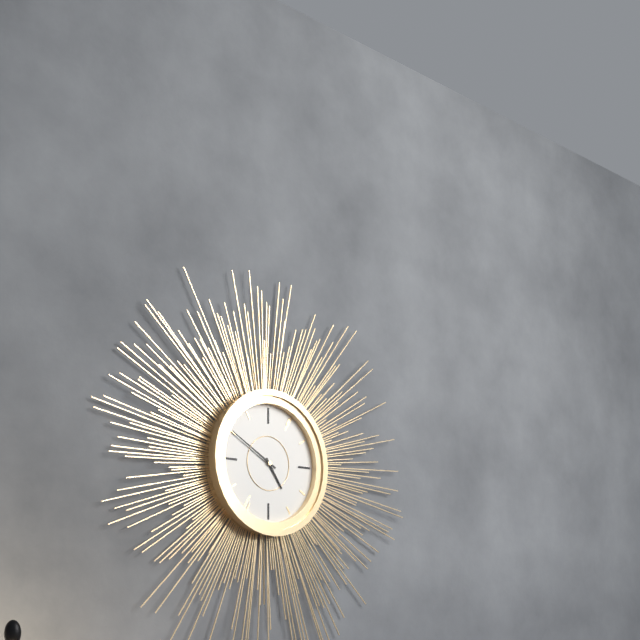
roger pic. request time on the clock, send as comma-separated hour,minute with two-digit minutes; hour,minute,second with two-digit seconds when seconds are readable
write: 4,50
